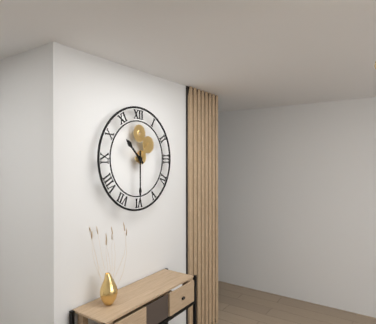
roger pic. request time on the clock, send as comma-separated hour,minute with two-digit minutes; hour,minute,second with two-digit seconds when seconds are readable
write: 10,30
